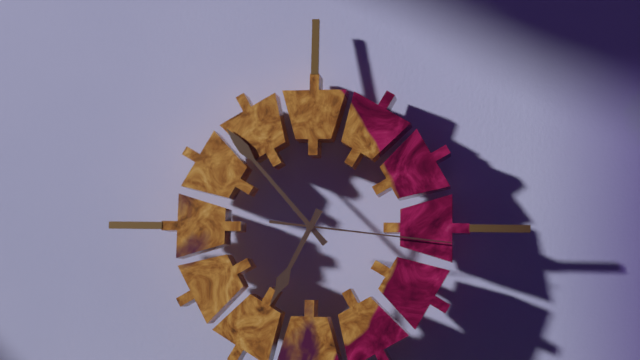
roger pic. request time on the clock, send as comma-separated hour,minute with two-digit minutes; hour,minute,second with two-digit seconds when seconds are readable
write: 6,53,16
